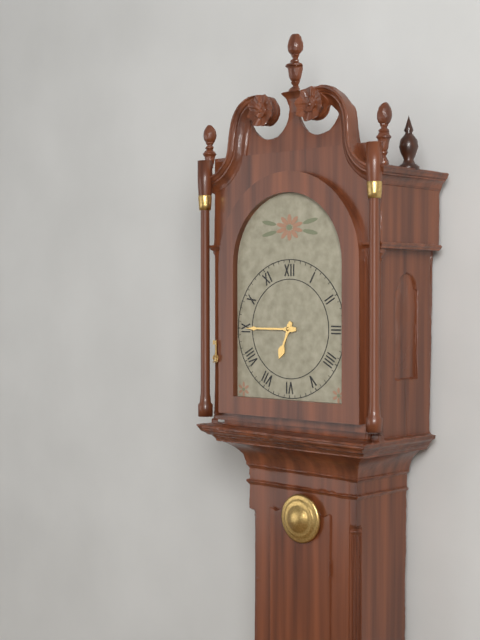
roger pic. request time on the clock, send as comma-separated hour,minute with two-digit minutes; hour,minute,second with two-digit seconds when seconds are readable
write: 6,45
